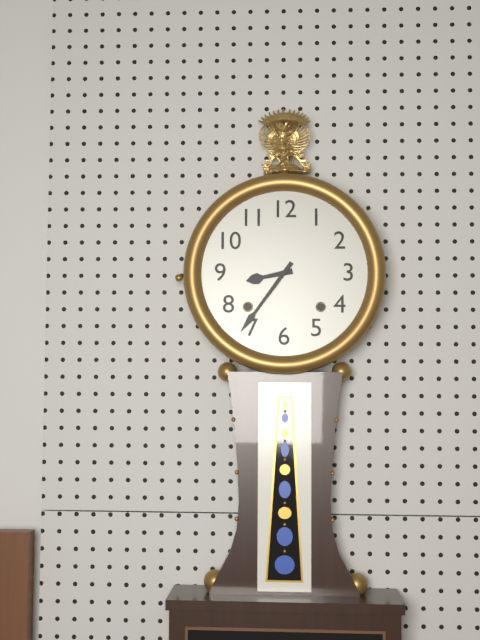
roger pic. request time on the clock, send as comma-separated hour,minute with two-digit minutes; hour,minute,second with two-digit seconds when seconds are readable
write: 8,36
